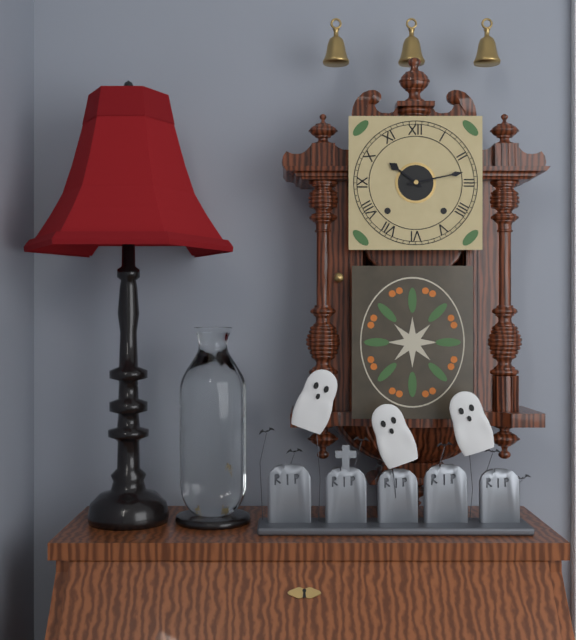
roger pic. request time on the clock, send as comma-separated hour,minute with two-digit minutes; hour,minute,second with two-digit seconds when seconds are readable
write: 10,13
